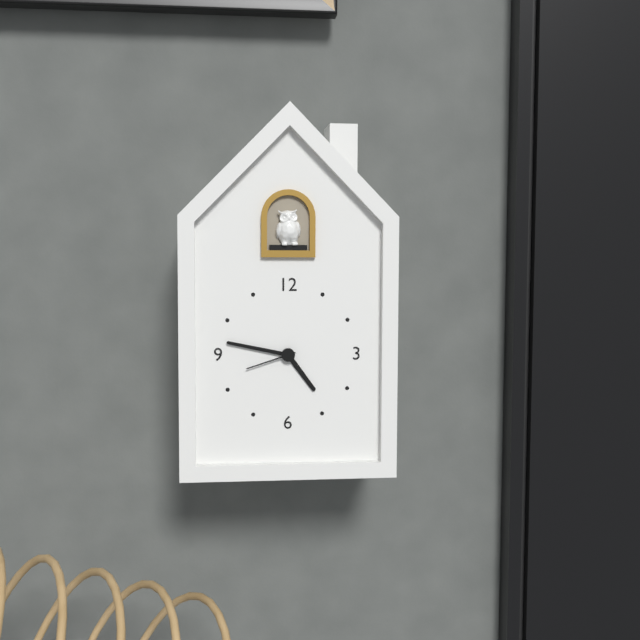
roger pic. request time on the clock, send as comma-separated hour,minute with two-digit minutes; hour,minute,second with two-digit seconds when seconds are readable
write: 4,47,42
